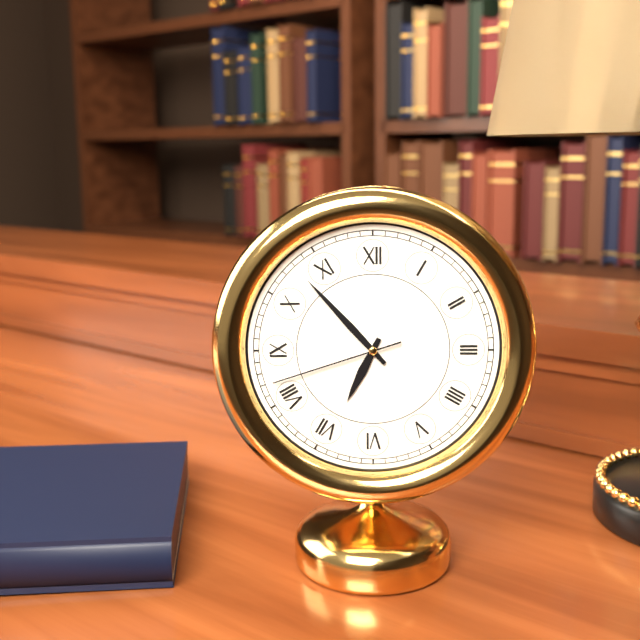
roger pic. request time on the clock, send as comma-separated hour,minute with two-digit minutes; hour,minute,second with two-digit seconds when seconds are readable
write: 6,53,42
